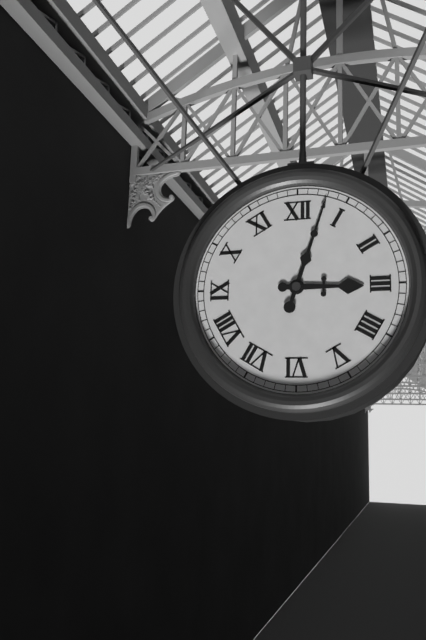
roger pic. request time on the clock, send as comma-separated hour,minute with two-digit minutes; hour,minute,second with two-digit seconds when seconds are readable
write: 3,03
